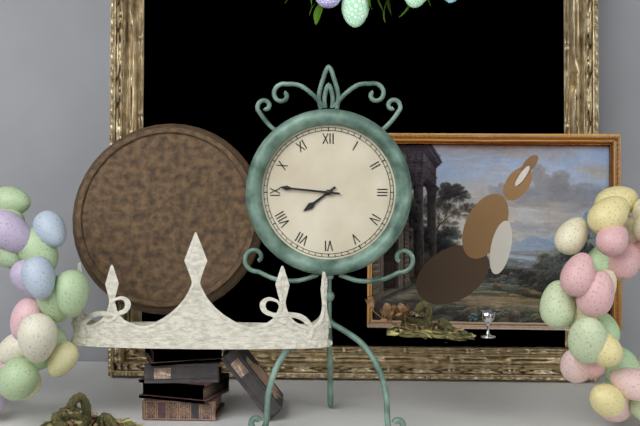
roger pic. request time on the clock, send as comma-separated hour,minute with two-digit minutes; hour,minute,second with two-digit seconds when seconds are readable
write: 7,46
